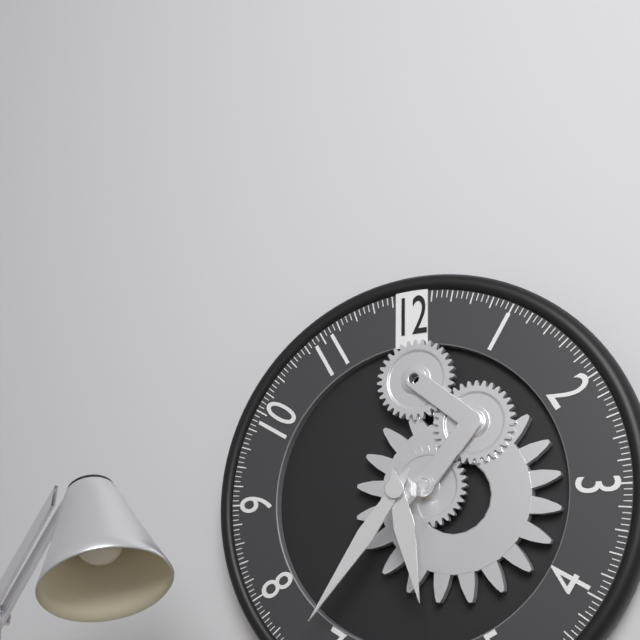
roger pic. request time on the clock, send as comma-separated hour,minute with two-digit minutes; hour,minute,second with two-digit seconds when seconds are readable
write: 5,36
